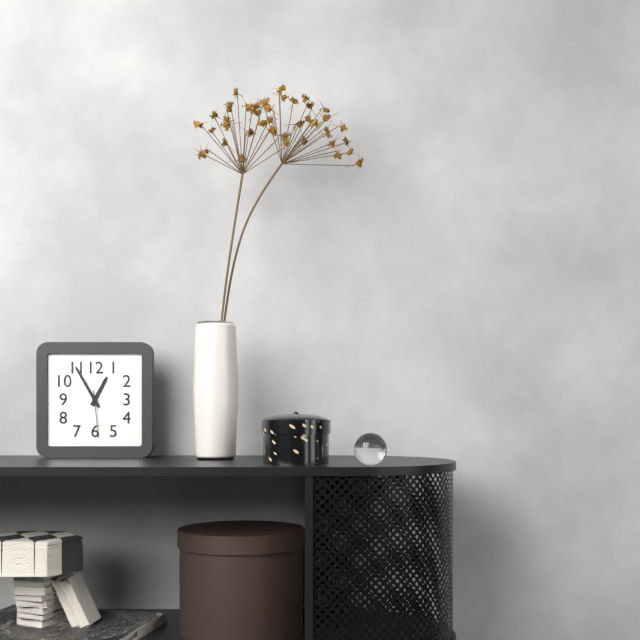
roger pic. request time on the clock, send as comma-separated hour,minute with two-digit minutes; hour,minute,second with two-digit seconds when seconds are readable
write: 12,55
